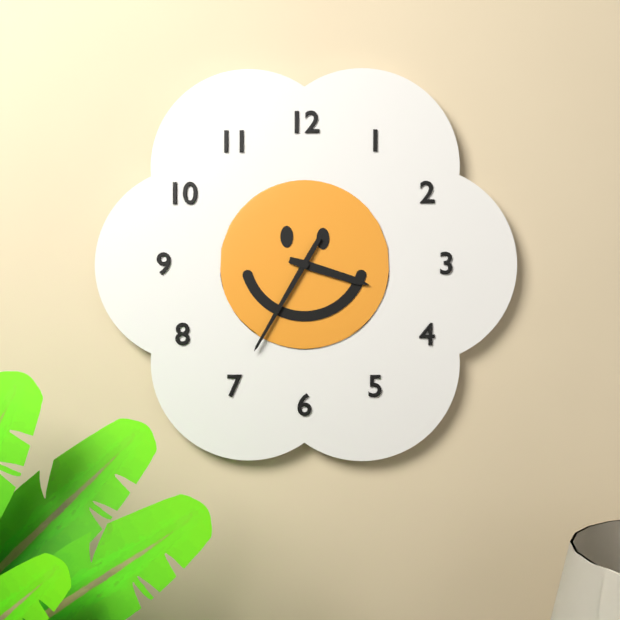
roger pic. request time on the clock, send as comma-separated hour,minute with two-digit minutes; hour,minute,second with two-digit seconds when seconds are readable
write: 3,35
